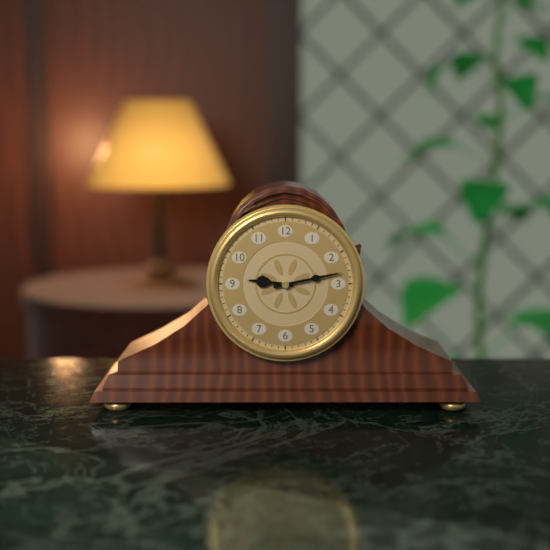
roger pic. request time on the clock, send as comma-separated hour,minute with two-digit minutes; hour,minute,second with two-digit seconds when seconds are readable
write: 9,13
